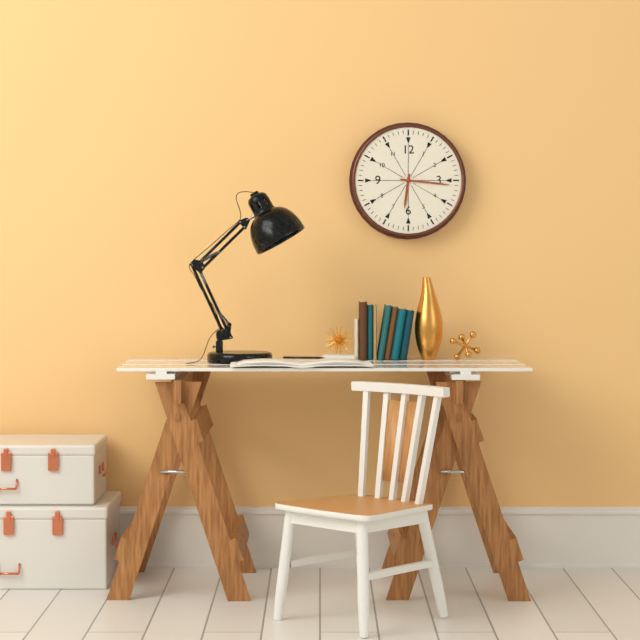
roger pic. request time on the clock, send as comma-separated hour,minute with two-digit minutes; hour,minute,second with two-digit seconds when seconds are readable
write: 6,16
